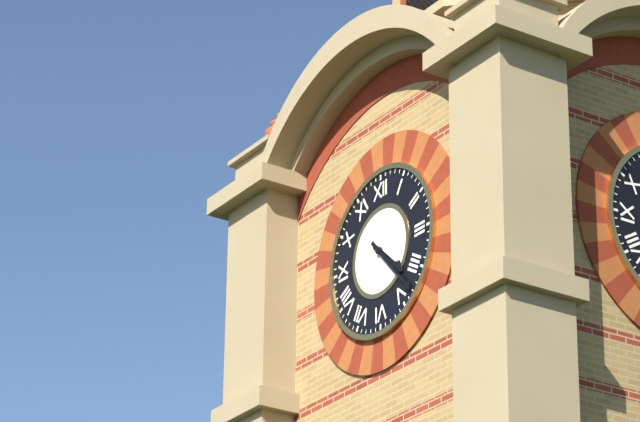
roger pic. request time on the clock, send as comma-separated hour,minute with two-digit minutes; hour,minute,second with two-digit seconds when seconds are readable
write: 4,23
